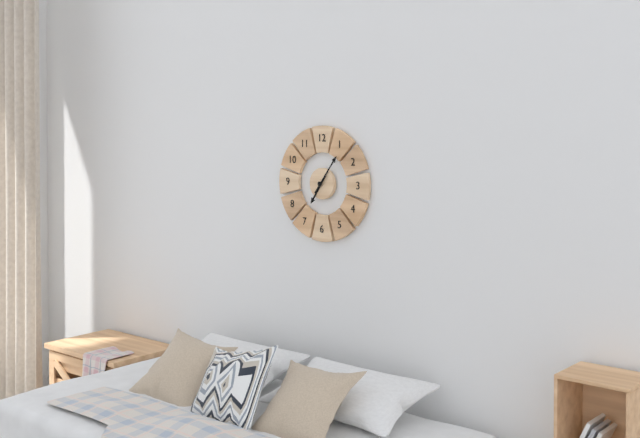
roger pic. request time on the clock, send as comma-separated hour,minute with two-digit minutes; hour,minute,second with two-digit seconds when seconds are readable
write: 7,06
